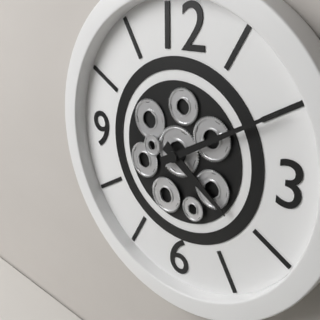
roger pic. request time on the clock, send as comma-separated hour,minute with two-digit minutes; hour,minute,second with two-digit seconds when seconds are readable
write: 4,10
